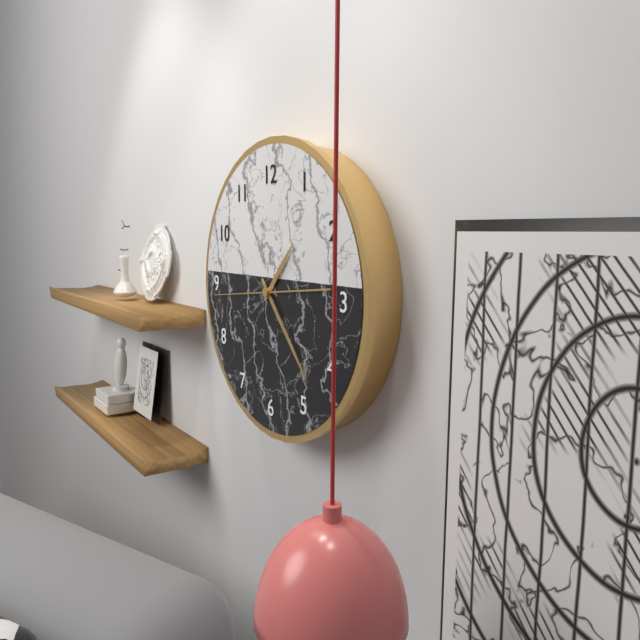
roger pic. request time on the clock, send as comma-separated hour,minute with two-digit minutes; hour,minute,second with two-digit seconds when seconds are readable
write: 1,23,44
